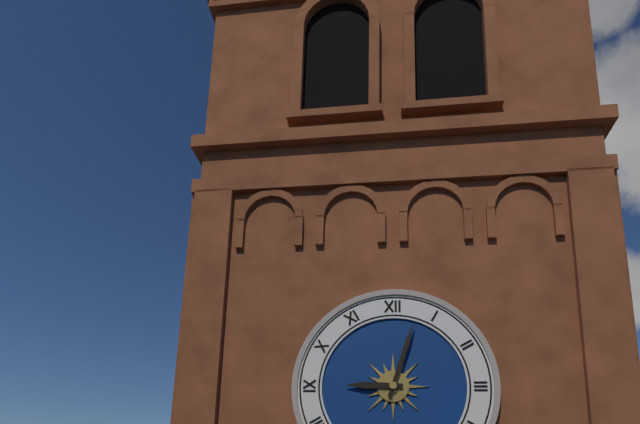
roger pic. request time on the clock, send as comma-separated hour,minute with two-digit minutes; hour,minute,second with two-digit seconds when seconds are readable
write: 9,03
